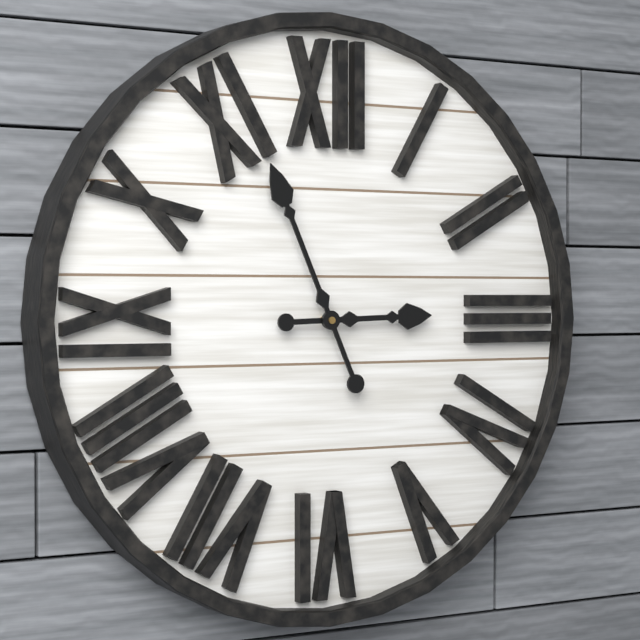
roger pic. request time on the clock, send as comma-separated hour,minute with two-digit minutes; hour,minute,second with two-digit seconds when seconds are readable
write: 2,56
